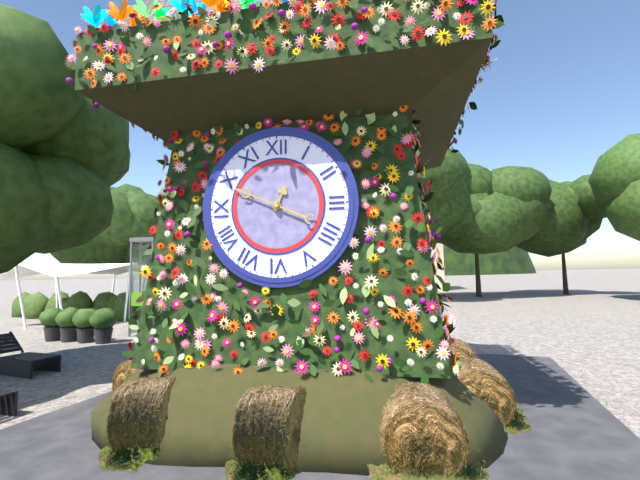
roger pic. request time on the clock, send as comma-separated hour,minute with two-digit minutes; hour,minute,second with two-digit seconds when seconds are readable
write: 12,49
